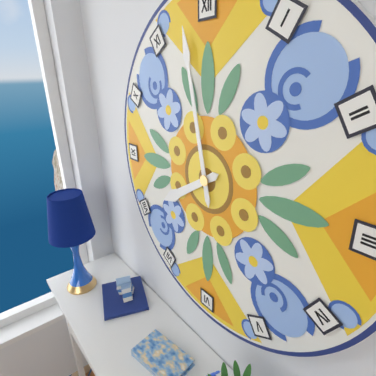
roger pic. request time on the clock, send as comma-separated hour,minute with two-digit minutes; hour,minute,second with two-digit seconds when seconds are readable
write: 7,58
